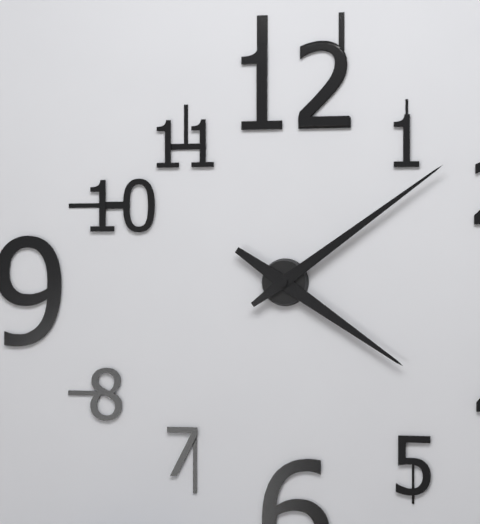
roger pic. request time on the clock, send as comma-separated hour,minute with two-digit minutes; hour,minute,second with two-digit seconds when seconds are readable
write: 4,09
